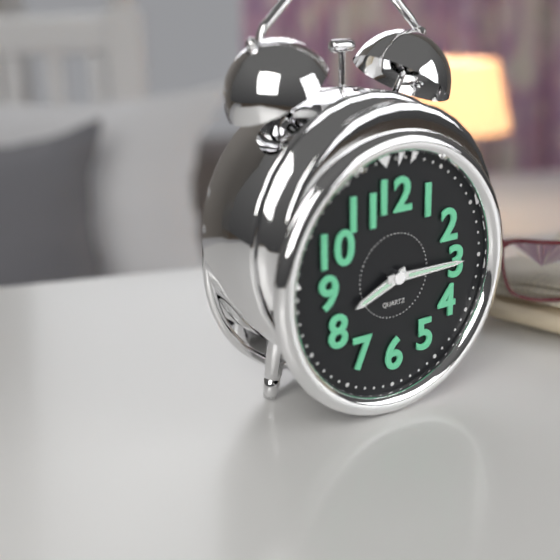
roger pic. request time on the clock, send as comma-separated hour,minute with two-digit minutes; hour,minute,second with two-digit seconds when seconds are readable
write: 8,15
